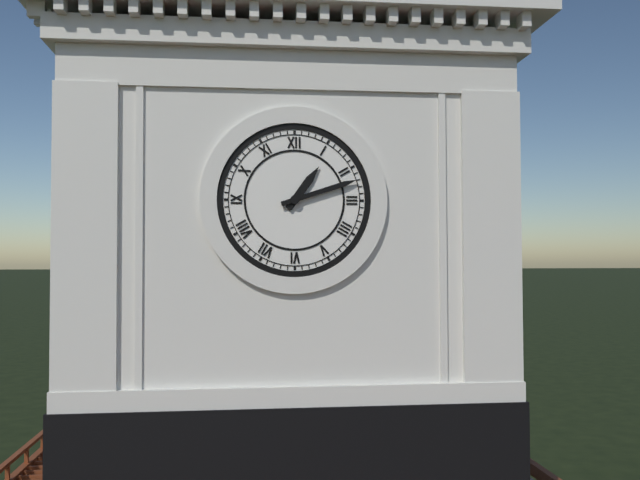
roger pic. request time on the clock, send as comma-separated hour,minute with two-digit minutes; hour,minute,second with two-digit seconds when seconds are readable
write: 1,12
